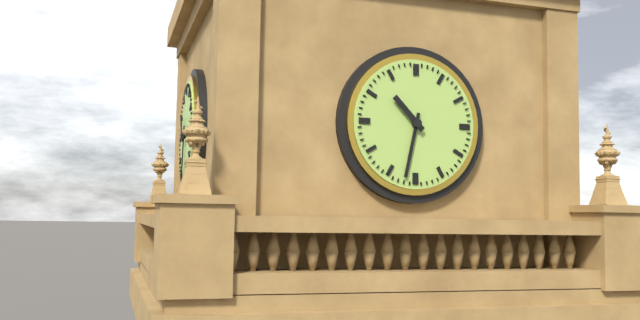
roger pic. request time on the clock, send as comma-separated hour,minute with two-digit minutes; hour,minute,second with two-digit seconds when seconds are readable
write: 10,32
